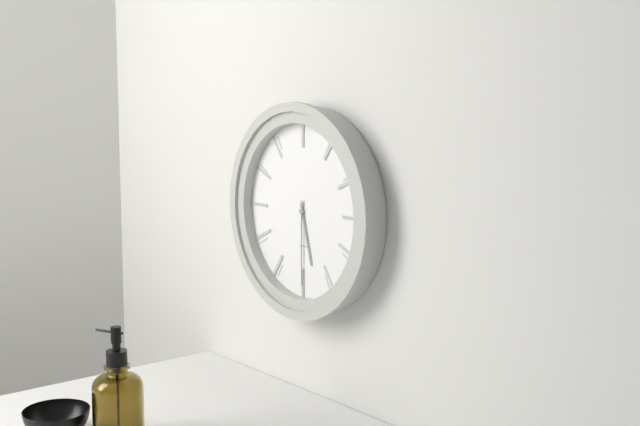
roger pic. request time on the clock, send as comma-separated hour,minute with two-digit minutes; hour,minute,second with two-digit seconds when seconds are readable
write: 5,30
